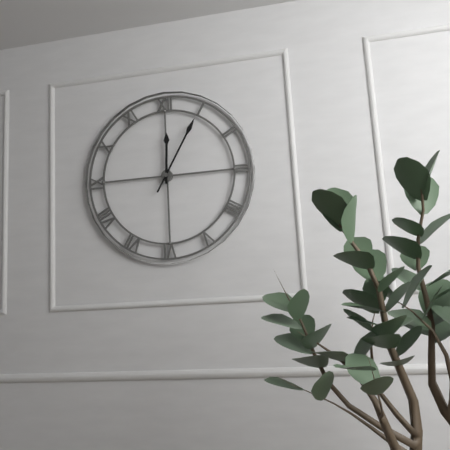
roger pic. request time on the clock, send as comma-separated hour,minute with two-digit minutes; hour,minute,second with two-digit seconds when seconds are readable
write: 12,05
